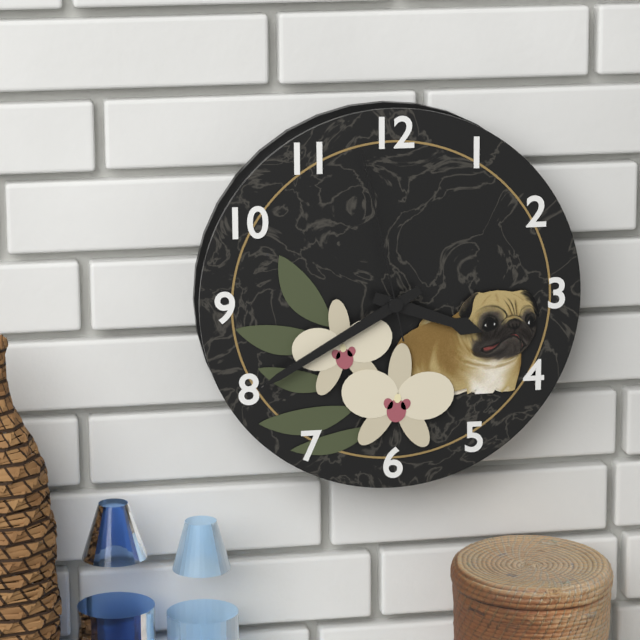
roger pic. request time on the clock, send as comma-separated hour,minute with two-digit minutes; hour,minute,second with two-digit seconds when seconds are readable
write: 3,40,58
